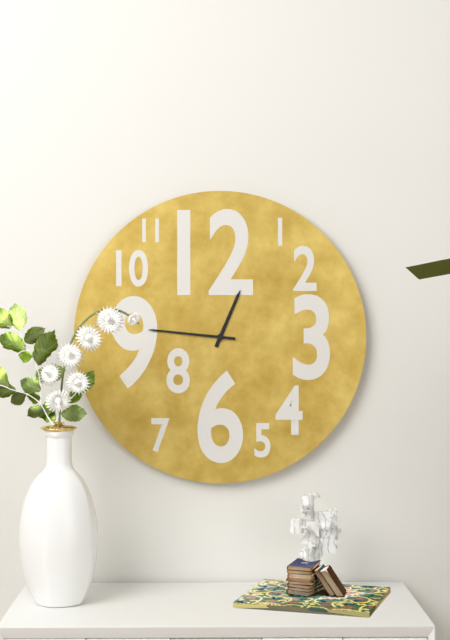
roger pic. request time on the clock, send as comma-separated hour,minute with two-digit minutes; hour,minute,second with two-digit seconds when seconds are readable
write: 12,46
